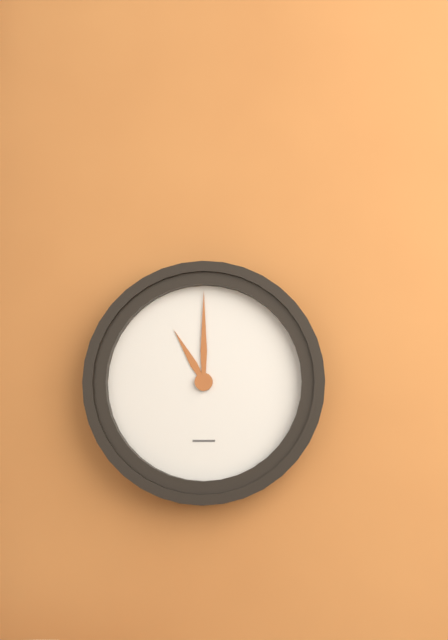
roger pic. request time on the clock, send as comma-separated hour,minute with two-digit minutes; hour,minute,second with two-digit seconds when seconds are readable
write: 11,00
